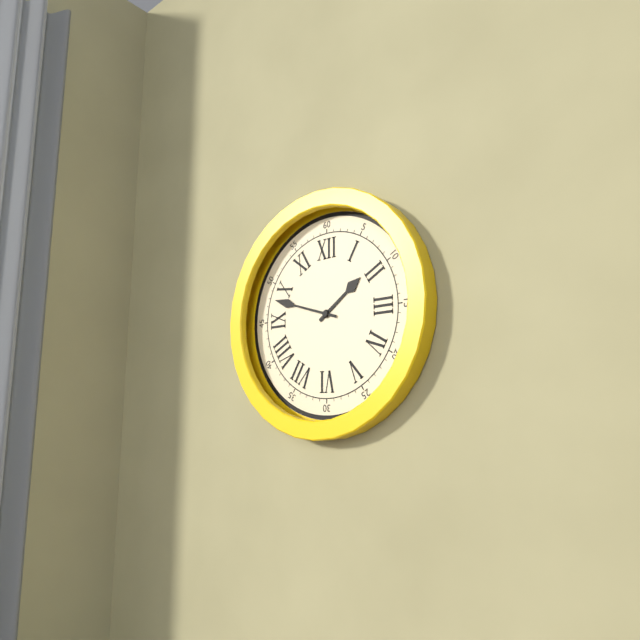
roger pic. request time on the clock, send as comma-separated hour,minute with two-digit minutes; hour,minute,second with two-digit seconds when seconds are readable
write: 1,48
